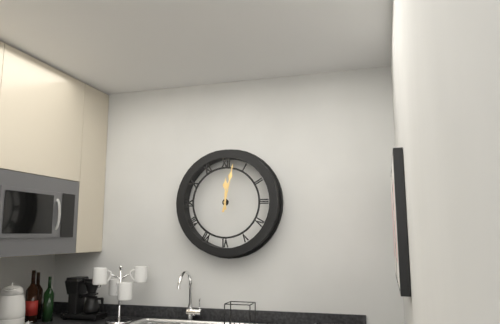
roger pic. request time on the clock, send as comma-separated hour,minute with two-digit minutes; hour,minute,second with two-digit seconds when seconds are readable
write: 12,02
